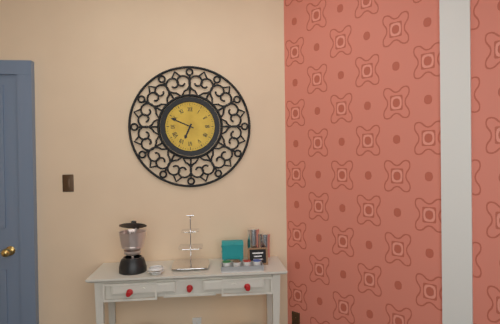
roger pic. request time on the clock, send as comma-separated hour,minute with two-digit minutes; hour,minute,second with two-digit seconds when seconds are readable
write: 6,49
